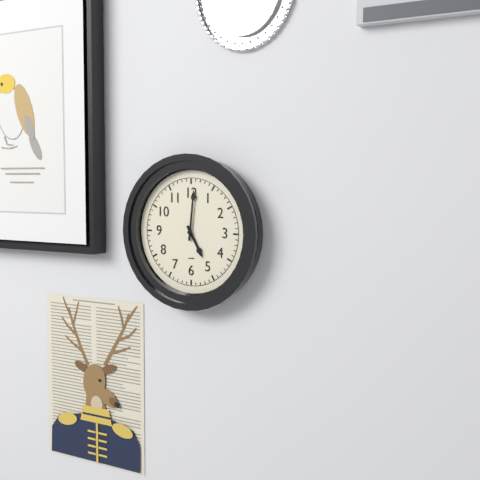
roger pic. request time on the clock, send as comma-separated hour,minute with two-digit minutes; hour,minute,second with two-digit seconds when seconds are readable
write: 5,01
